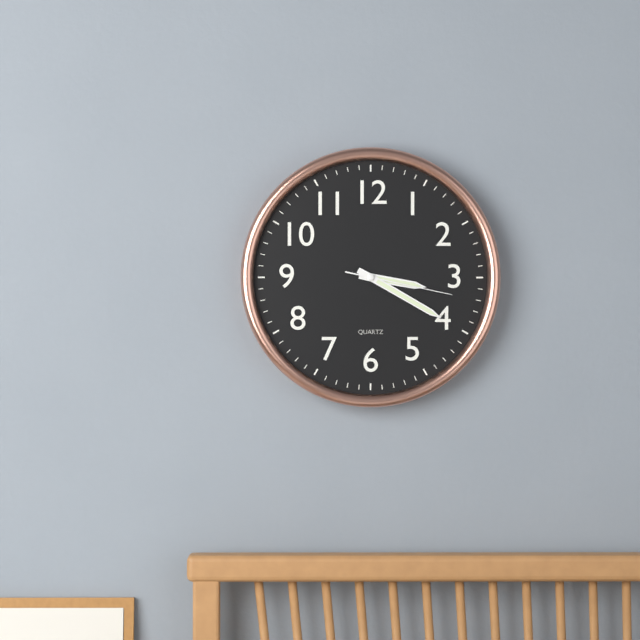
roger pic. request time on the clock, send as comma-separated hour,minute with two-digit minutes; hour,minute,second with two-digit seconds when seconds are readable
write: 3,20,17
